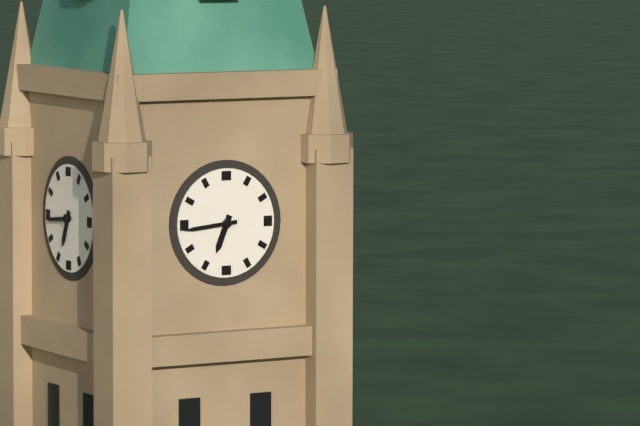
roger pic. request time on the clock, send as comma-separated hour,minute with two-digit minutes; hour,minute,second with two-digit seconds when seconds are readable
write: 6,44
